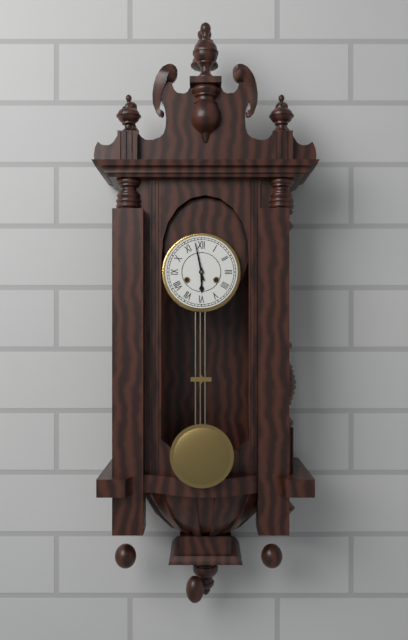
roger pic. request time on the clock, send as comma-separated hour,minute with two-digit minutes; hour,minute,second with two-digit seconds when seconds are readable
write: 5,58
